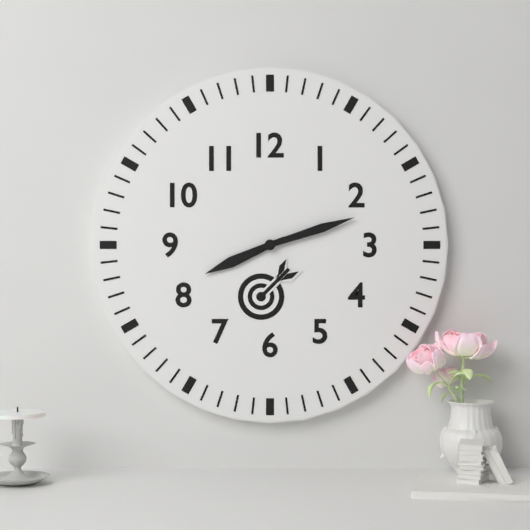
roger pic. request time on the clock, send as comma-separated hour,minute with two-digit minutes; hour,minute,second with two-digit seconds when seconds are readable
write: 8,12
